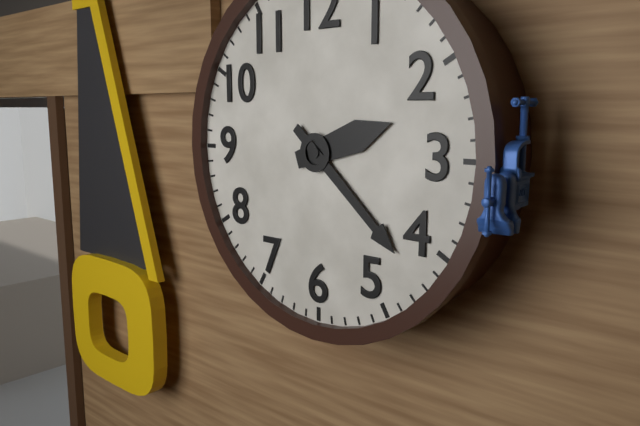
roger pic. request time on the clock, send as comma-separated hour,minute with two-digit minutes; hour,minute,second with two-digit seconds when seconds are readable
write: 2,22
